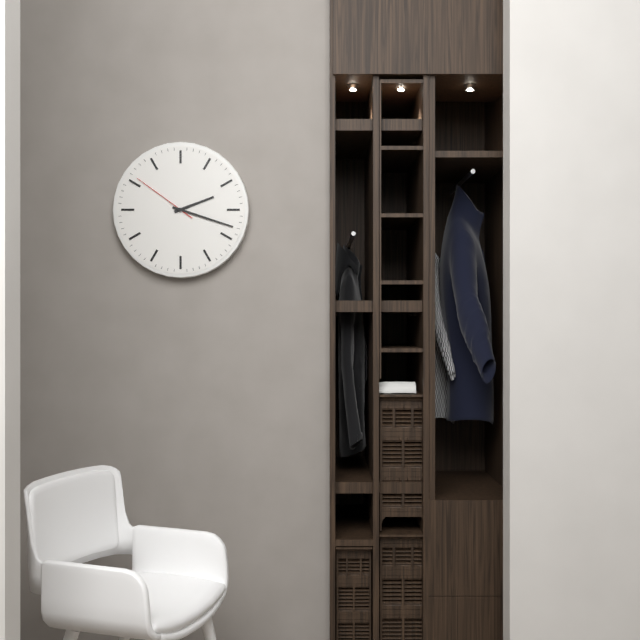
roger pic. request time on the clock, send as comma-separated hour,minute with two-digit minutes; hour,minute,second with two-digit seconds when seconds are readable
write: 2,18,51
